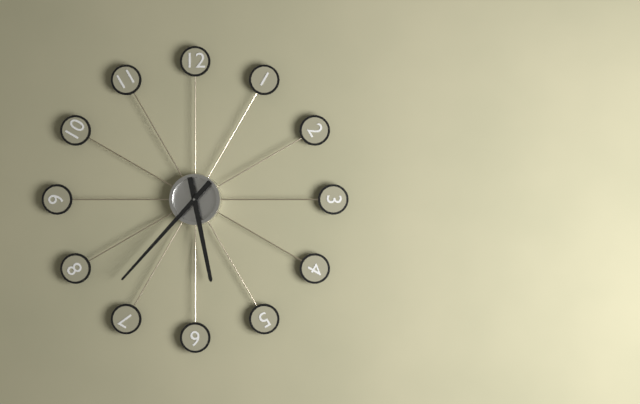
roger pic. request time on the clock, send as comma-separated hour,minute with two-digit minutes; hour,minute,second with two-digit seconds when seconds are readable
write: 5,37
